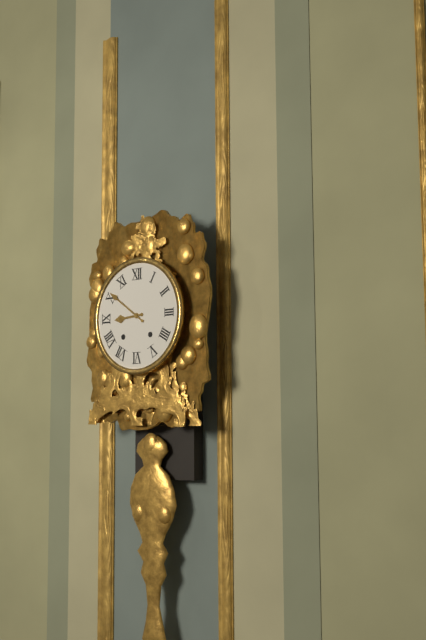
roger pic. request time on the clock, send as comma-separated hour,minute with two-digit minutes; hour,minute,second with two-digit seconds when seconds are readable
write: 8,51
